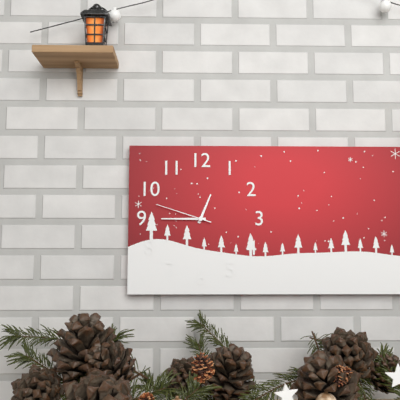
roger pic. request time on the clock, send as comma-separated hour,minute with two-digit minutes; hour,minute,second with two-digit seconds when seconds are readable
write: 12,45,48
